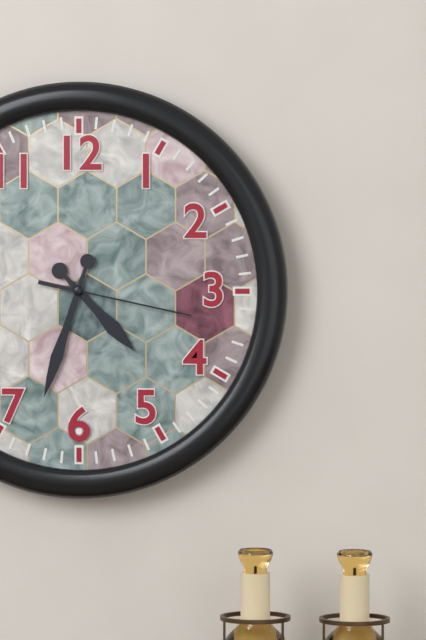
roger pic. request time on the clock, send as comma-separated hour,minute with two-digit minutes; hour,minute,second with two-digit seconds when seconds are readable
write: 4,33,17
